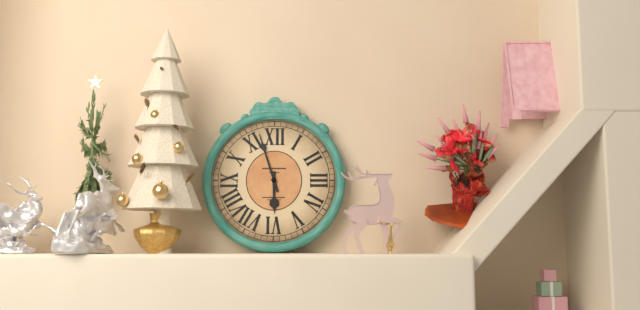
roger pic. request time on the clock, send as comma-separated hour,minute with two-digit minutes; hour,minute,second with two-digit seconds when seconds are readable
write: 5,57
